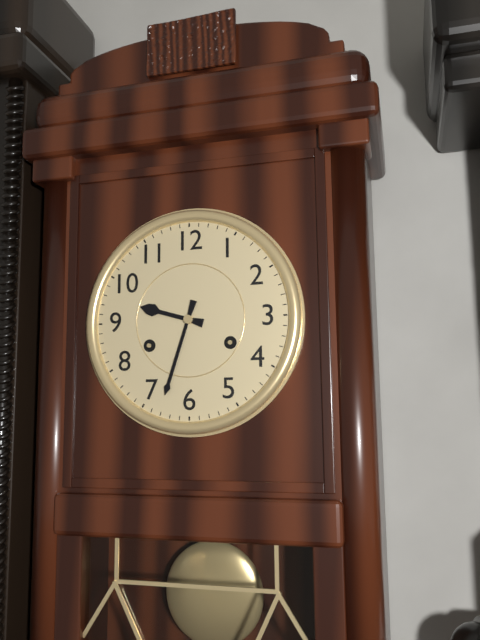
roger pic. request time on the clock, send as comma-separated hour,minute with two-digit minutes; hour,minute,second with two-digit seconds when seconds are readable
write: 9,33
